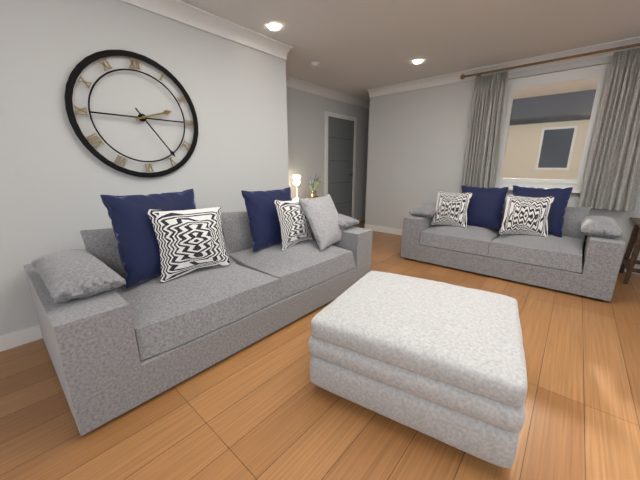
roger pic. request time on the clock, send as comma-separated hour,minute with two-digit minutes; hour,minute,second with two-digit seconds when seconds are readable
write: 2,24
